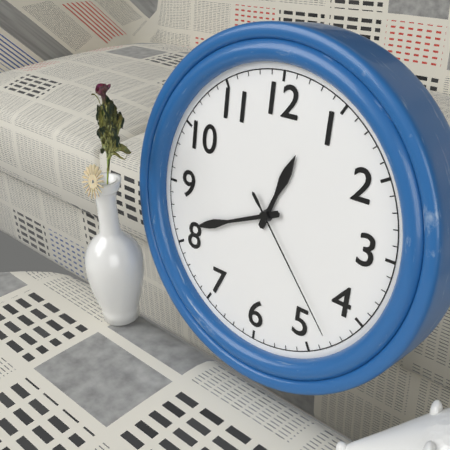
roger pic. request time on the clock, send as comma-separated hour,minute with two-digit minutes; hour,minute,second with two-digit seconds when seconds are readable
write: 12,41,23
